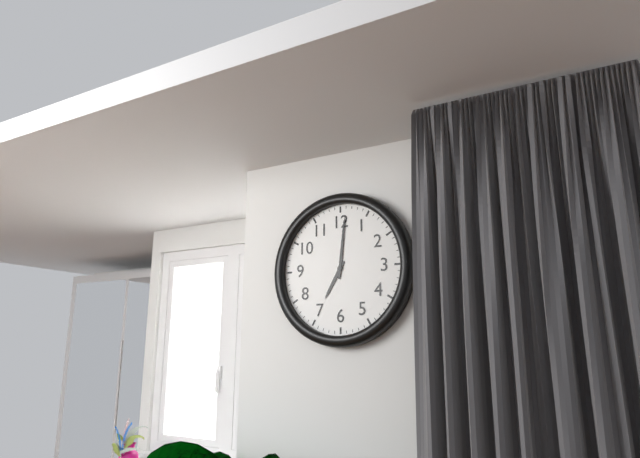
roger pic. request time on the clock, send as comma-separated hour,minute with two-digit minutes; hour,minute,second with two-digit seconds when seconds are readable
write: 7,01
